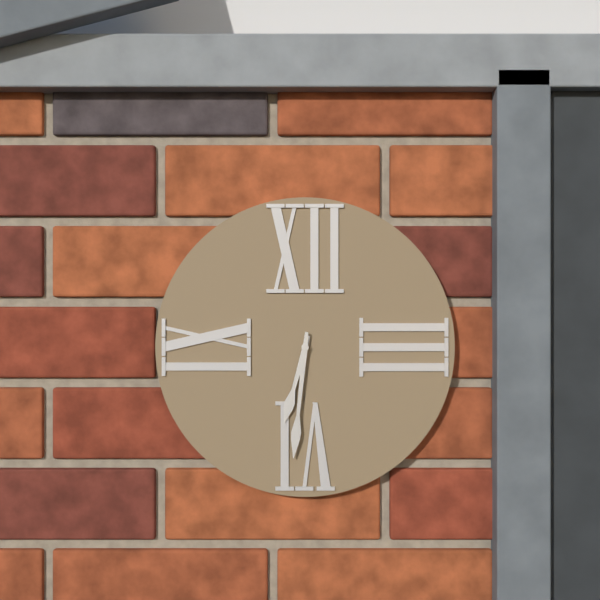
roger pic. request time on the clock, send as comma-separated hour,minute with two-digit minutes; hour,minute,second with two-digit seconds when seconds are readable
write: 6,31
